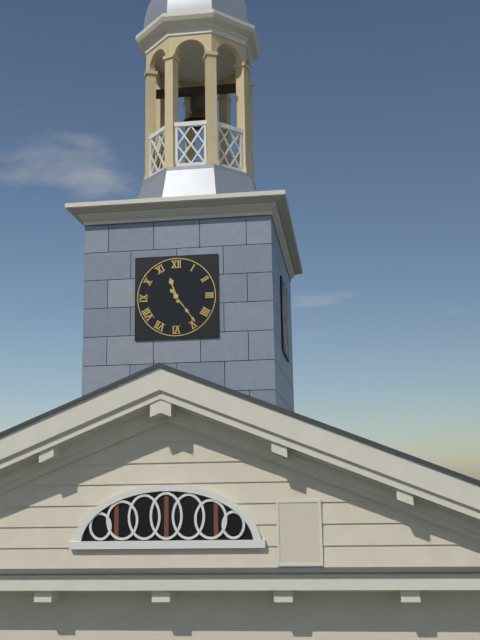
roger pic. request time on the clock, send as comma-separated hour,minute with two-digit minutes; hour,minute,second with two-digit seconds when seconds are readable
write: 11,24
